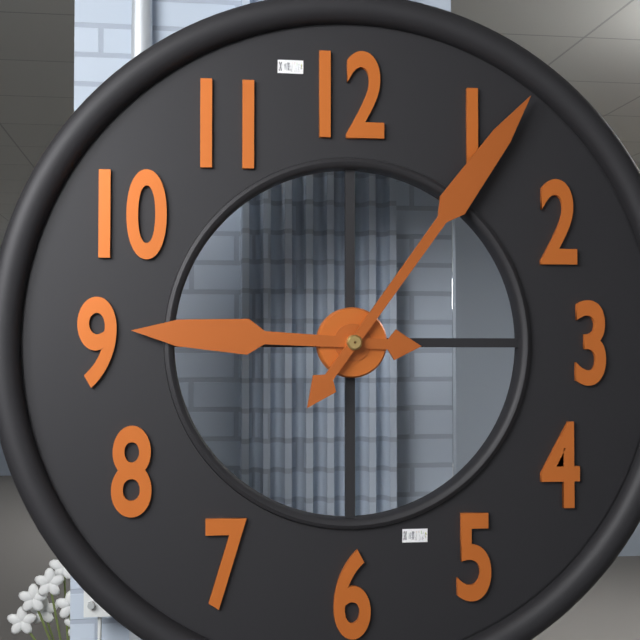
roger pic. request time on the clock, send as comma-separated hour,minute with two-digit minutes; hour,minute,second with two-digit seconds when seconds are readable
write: 9,06
